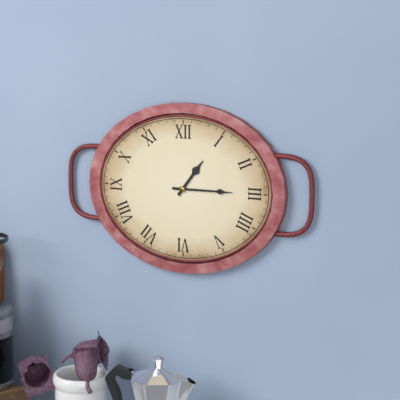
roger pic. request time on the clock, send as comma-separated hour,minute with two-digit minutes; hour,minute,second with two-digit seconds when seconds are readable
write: 1,15
